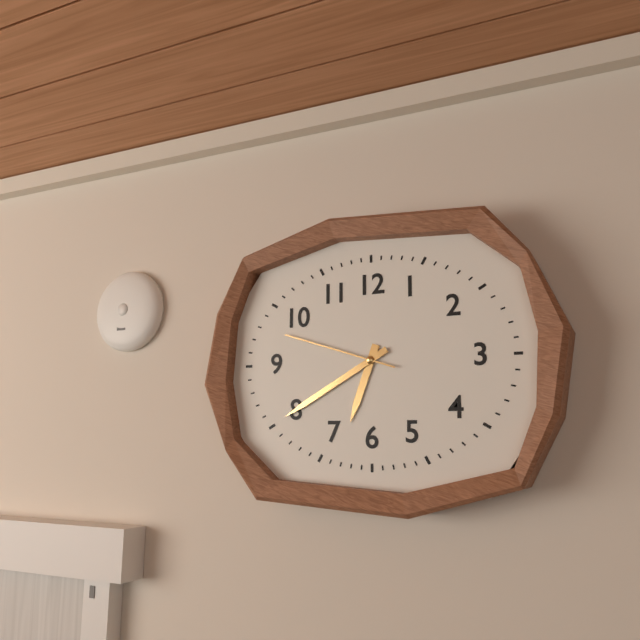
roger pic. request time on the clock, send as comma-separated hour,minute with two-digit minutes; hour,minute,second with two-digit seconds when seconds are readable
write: 6,40,48
